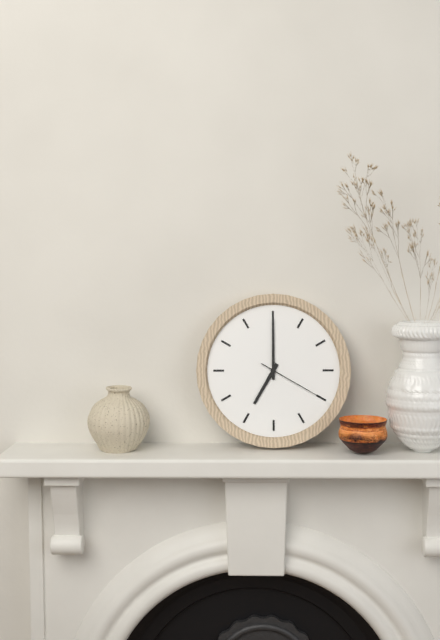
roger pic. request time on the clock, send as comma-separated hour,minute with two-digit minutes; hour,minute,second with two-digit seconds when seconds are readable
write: 7,00,20
